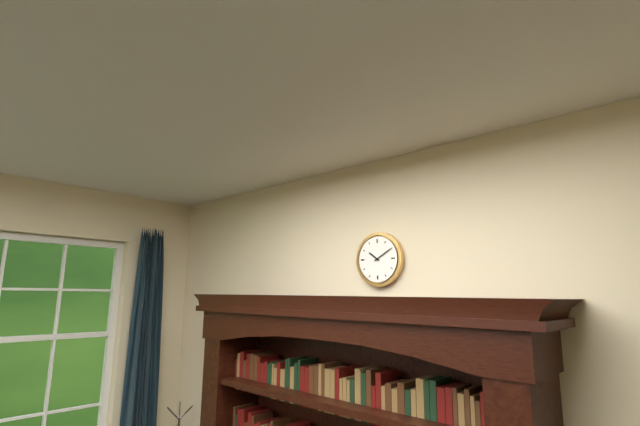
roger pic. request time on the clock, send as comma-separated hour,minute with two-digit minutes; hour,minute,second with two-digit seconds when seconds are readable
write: 10,10
